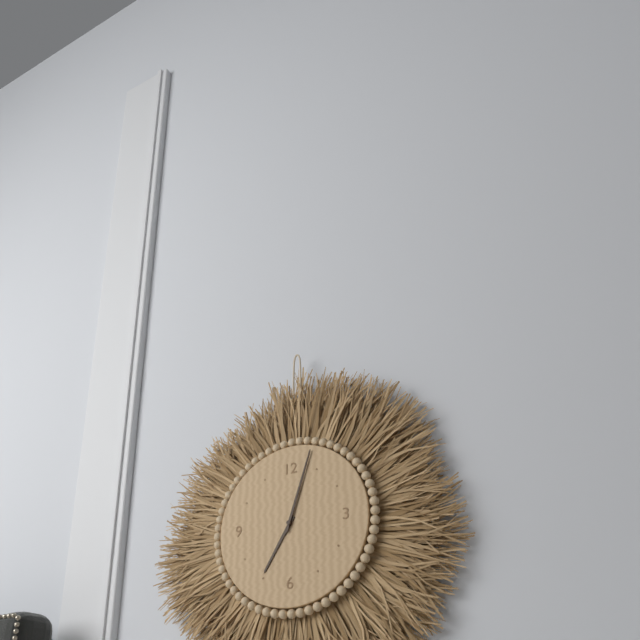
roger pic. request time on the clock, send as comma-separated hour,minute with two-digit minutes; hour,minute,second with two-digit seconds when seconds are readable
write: 7,03
